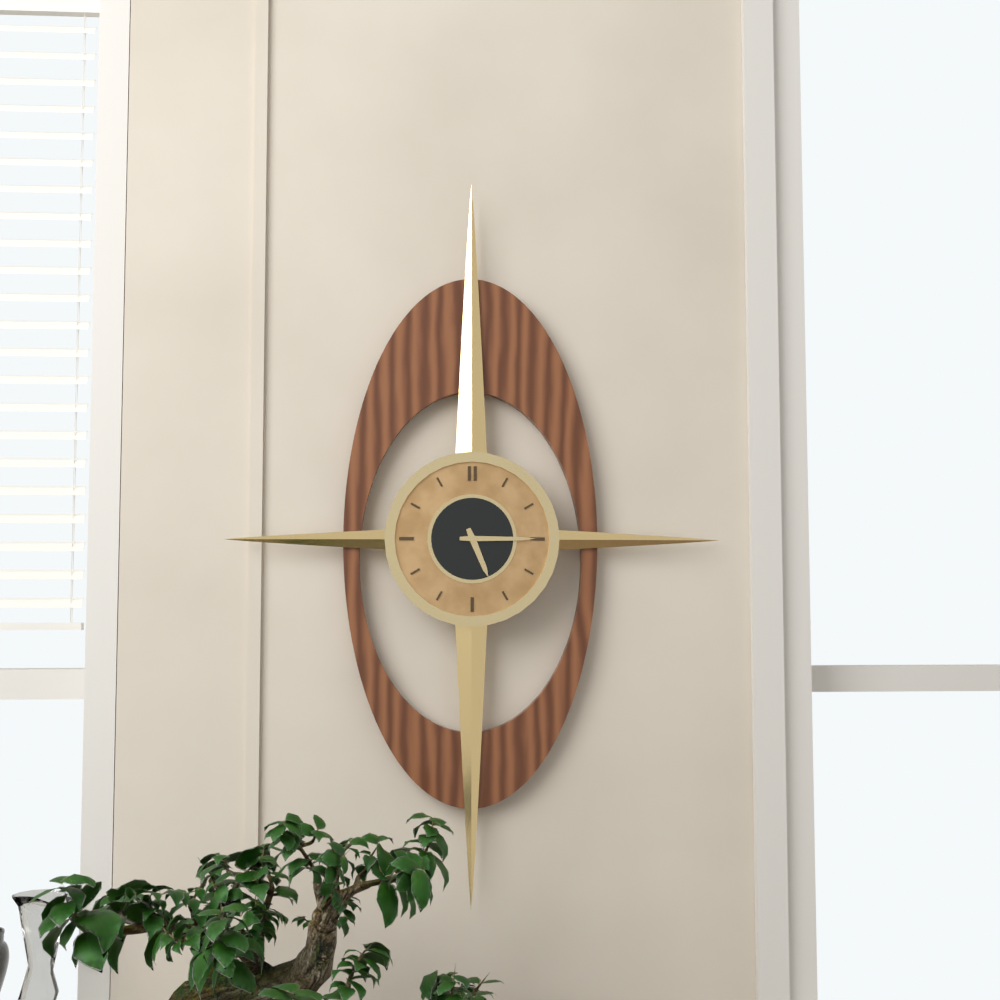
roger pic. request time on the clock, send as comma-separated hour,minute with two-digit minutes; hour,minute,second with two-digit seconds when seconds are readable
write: 5,15
